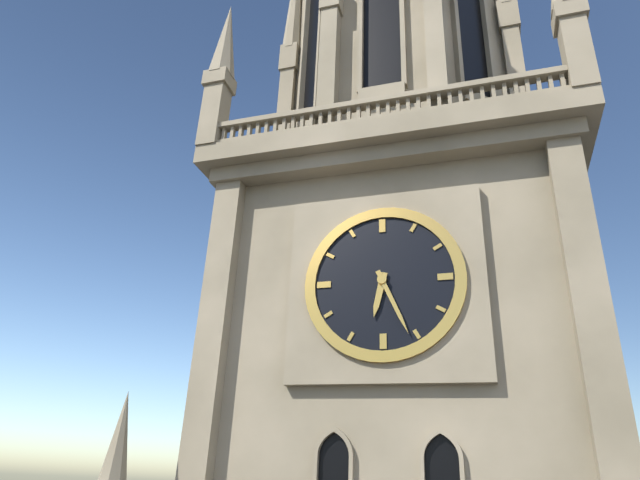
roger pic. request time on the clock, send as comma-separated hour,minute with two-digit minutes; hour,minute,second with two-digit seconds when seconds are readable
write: 6,26
